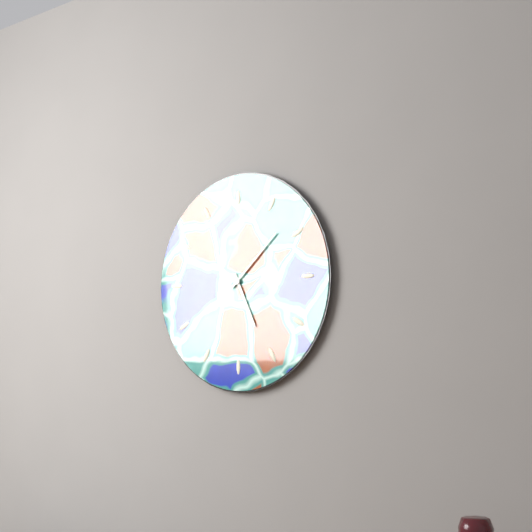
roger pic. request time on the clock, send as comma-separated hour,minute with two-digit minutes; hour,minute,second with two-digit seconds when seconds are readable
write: 5,08
